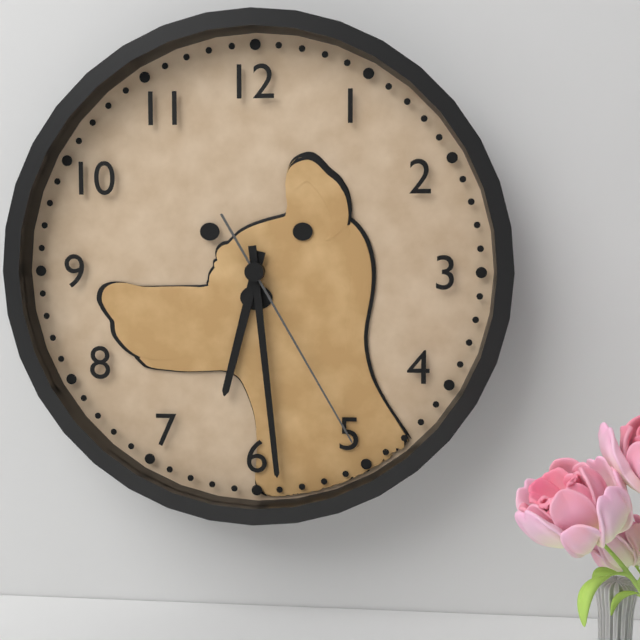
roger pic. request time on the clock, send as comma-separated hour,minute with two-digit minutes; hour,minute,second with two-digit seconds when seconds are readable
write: 6,29,25
